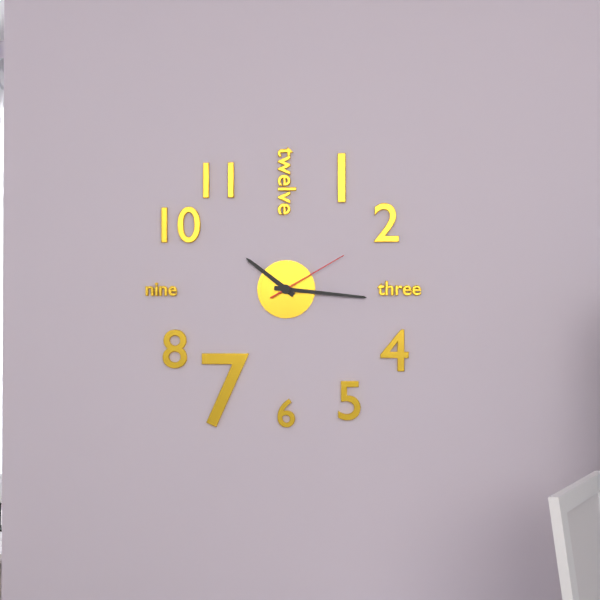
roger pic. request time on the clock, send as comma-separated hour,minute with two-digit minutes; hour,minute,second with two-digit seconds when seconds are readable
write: 10,16,10
